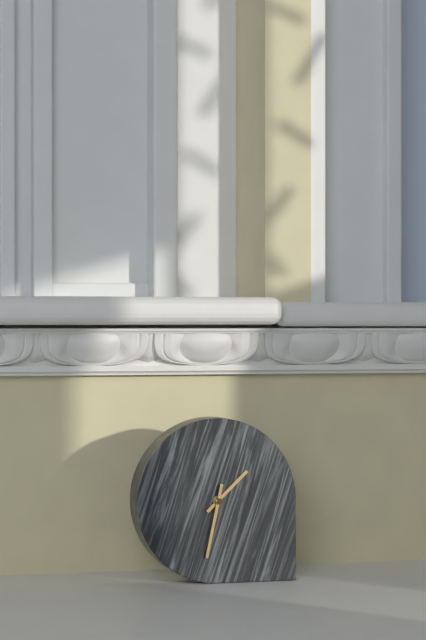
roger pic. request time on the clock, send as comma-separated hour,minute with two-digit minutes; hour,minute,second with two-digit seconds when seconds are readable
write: 1,32
